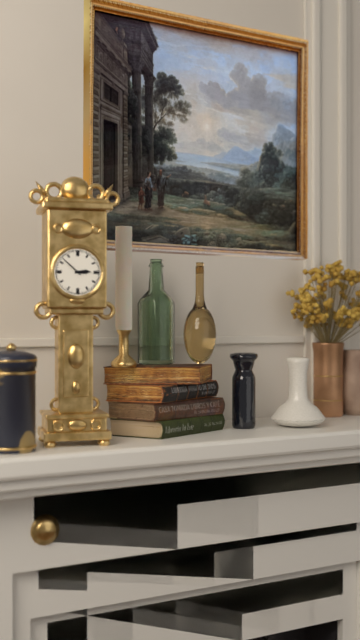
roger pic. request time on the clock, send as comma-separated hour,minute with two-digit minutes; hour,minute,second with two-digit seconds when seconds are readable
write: 2,52
